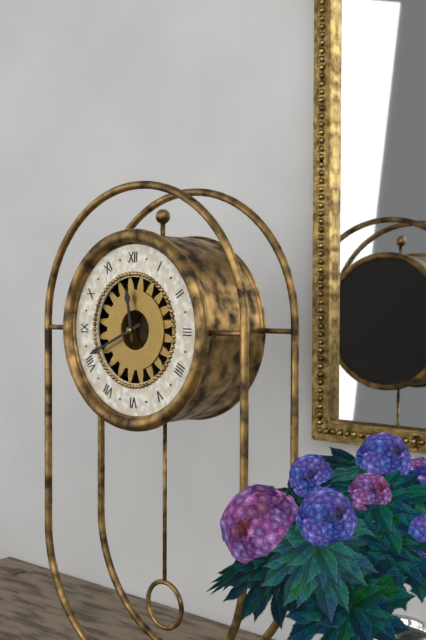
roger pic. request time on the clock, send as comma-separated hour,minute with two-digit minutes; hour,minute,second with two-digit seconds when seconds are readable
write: 11,41
